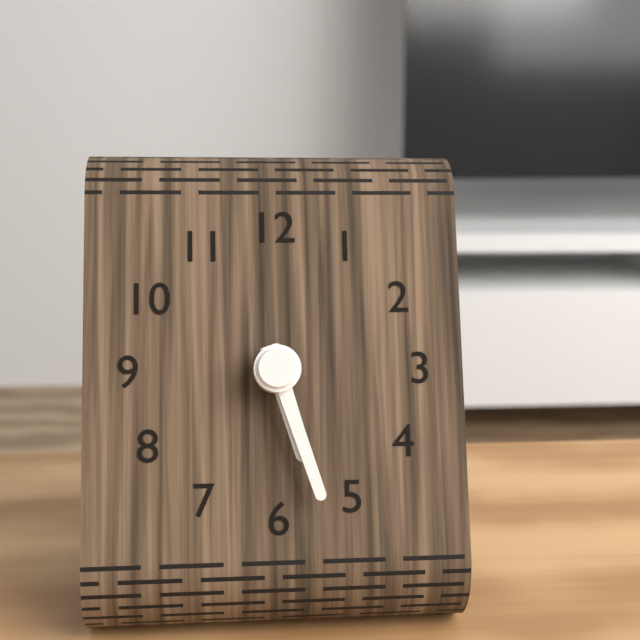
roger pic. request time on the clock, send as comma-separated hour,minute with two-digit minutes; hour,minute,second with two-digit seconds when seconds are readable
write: 5,27
